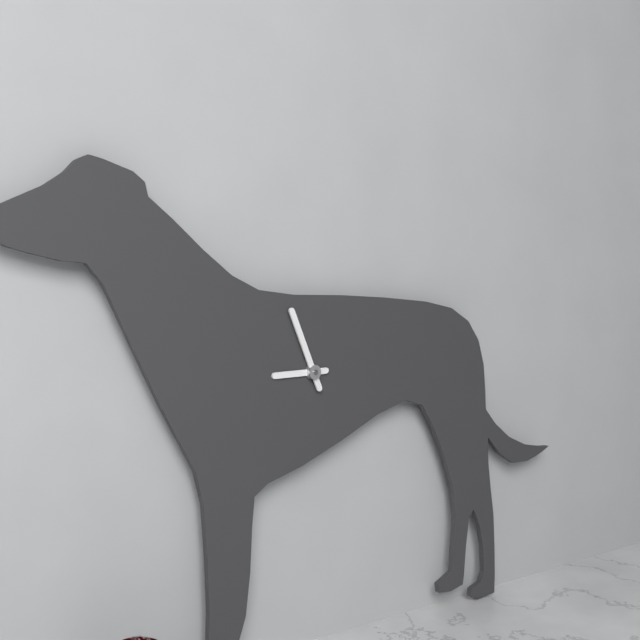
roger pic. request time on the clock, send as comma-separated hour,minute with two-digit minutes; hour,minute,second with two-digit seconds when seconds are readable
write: 8,56
